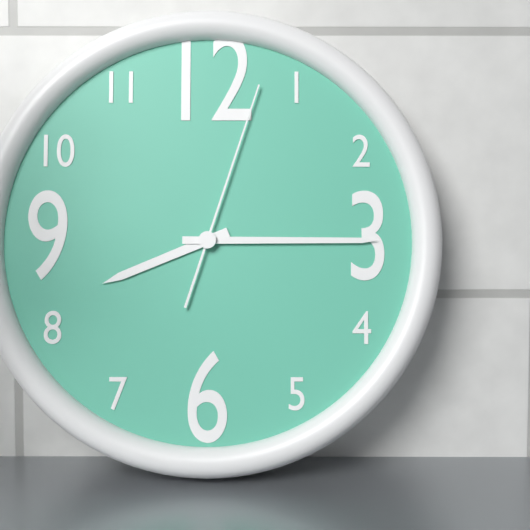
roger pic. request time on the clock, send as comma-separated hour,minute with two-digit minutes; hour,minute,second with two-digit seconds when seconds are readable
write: 8,15,03
